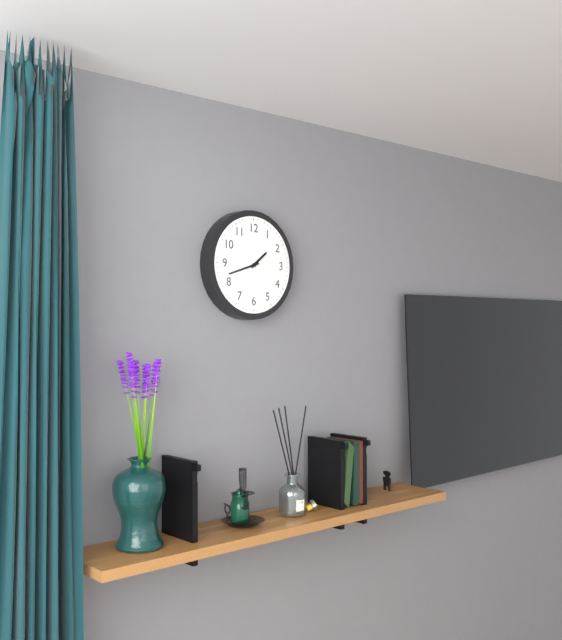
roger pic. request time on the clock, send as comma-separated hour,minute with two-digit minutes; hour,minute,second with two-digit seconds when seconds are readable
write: 1,42
